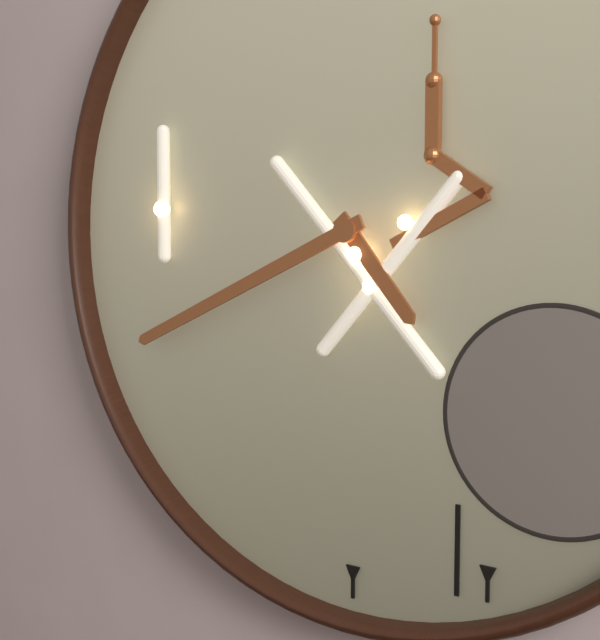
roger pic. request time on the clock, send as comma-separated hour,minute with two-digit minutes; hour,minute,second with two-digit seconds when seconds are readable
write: 4,41
